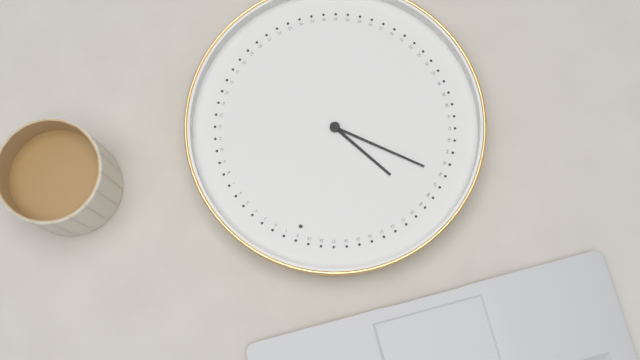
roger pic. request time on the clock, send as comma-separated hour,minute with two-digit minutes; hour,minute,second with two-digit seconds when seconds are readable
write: 9,46
